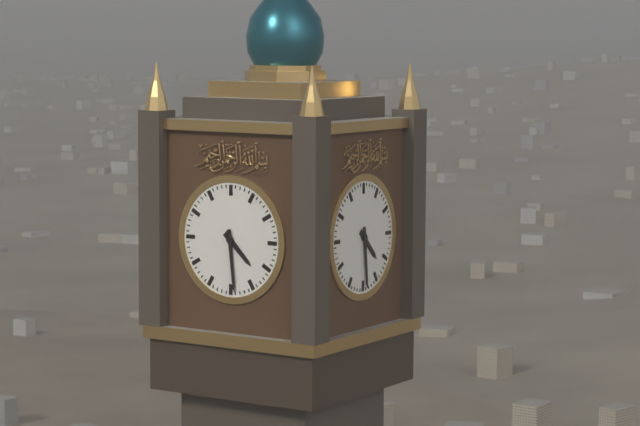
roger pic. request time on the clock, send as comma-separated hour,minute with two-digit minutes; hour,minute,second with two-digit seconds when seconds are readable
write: 4,29
